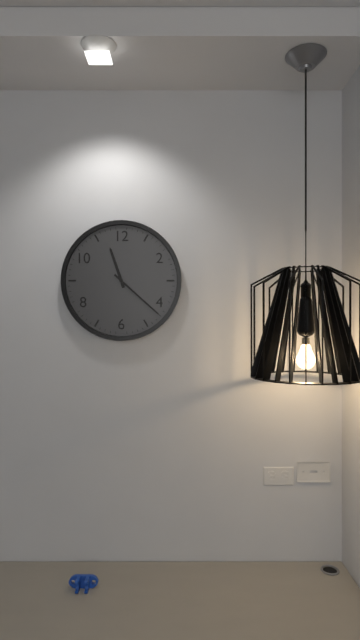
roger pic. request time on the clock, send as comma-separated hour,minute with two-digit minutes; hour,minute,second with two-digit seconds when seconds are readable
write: 11,22
